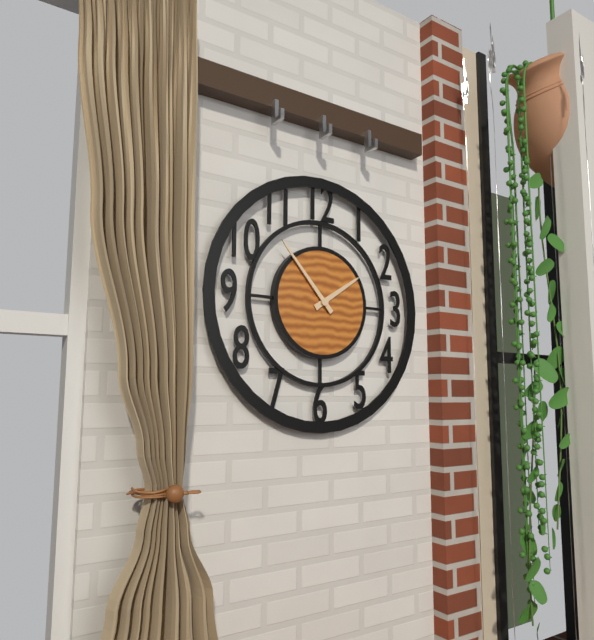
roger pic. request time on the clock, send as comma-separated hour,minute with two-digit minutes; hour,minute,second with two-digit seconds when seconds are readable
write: 1,53
